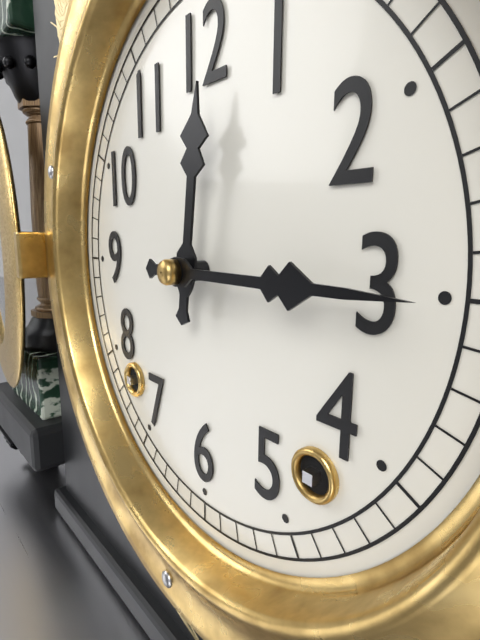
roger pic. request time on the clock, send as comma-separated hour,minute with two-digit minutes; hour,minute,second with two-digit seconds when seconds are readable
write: 12,15
